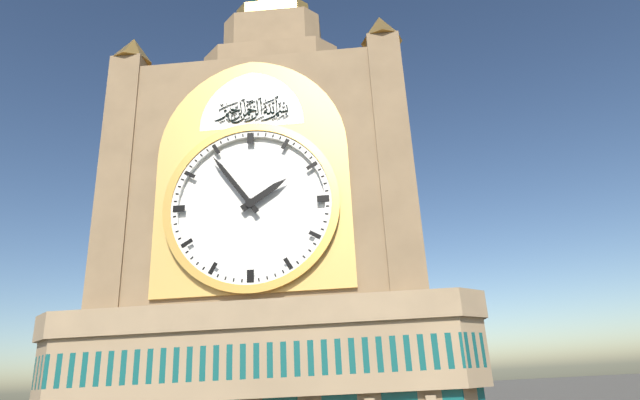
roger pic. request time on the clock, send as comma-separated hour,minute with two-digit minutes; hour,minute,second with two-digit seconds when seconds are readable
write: 1,54
